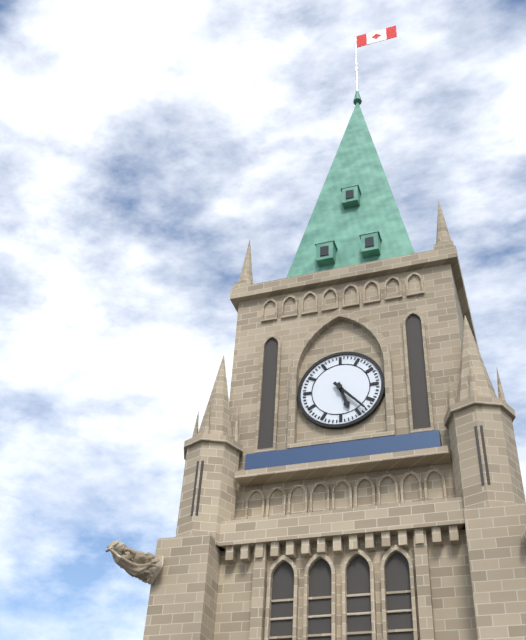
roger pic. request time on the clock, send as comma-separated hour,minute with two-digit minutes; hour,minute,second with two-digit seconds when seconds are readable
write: 5,23
